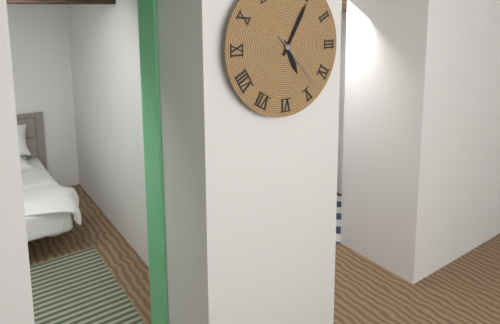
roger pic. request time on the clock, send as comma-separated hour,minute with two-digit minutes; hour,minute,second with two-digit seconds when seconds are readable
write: 5,05,23
